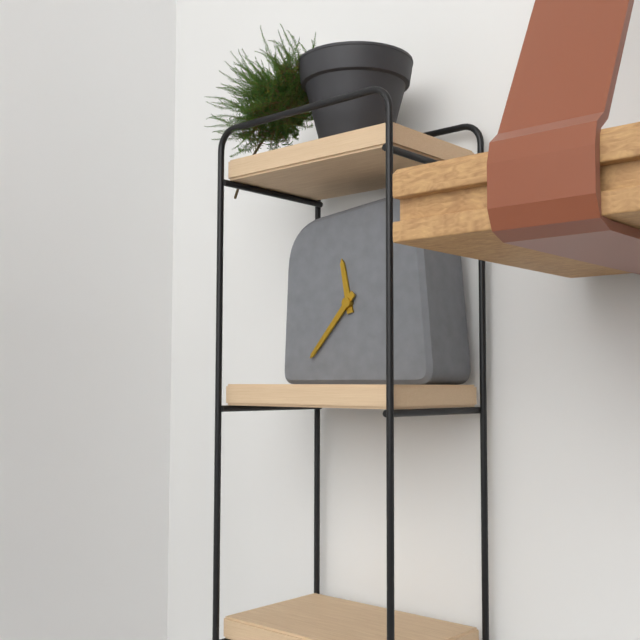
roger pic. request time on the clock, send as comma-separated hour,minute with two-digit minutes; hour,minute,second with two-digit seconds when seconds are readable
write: 11,37
